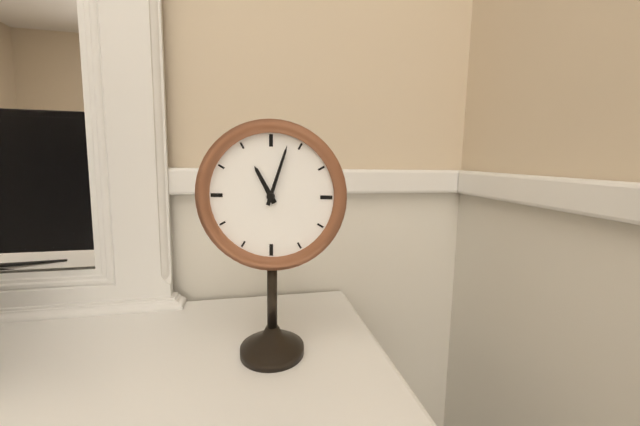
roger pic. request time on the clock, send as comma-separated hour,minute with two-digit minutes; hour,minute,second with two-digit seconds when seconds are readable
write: 11,03
